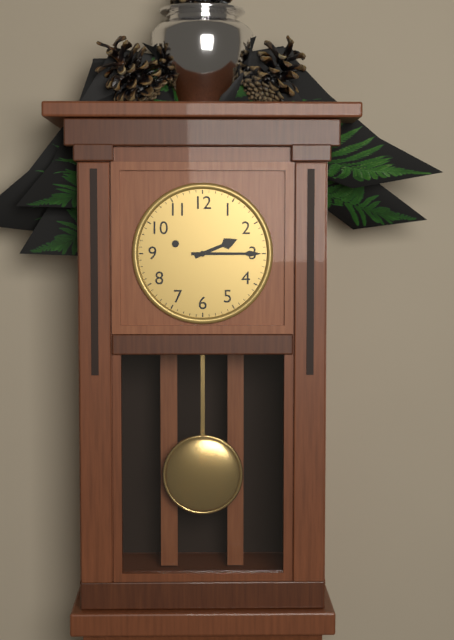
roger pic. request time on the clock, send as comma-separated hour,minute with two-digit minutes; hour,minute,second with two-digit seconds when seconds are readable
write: 2,15
